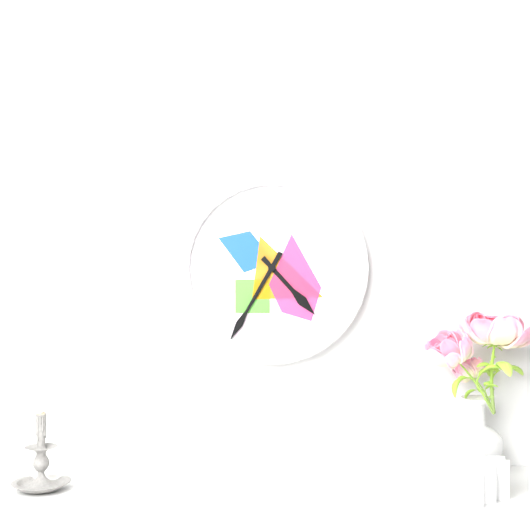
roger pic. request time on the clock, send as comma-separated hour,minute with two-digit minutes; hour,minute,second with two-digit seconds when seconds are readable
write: 4,35
